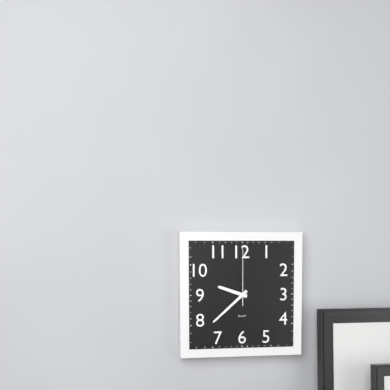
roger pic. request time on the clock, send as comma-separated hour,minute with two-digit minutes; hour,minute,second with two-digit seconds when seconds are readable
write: 9,38,00
